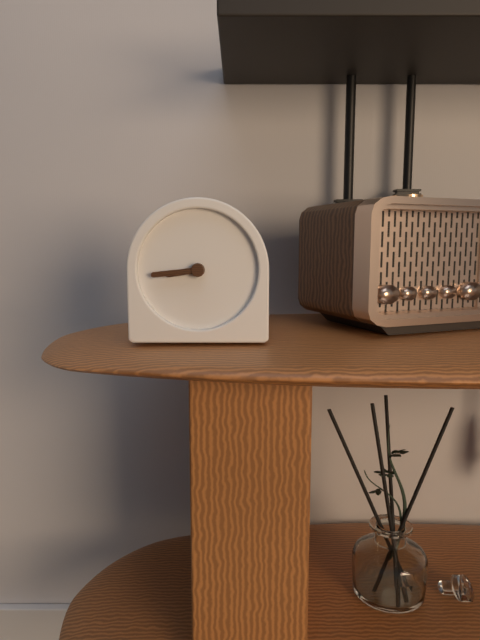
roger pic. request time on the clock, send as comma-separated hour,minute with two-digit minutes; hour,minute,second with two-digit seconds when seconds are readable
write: 8,44
